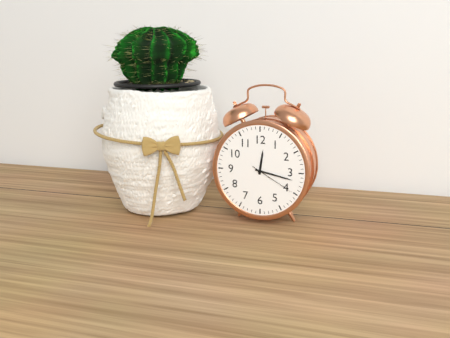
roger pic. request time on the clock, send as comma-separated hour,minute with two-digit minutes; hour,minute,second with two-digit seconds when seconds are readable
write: 12,17
